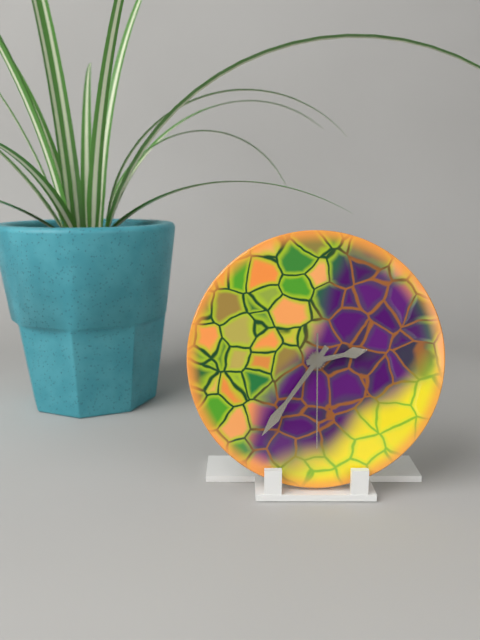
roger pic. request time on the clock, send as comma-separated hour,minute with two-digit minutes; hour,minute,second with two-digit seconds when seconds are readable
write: 2,36,30
